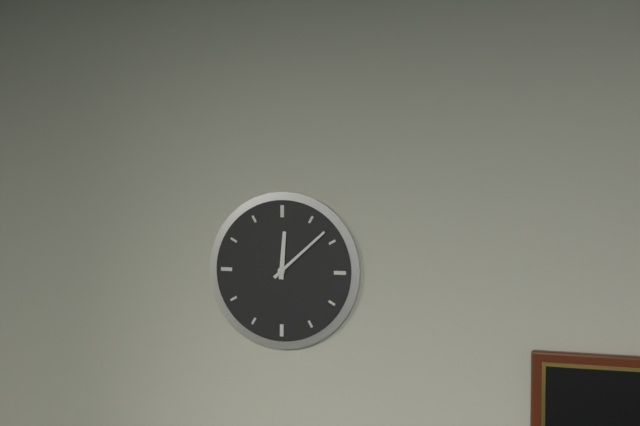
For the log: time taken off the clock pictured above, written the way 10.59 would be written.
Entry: 12.08
